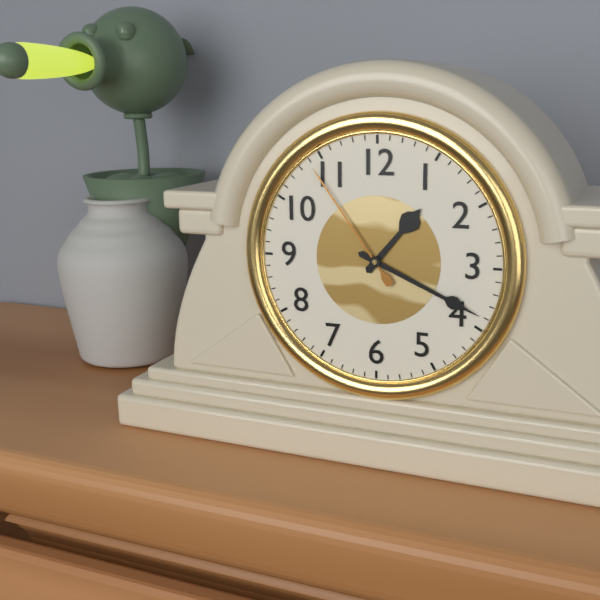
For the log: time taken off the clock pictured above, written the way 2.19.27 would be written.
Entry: 1.19.54
